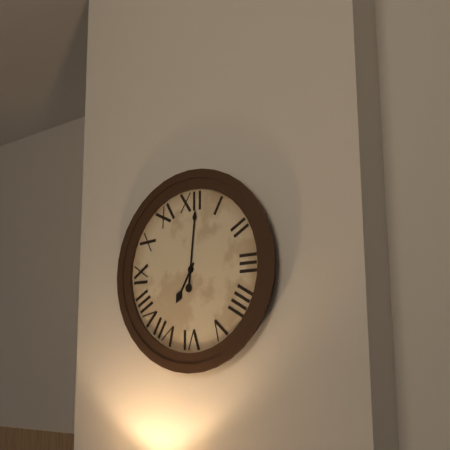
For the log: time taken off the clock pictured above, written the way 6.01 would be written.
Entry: 7.01
